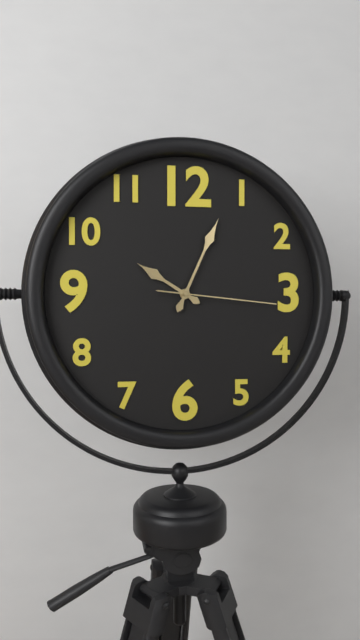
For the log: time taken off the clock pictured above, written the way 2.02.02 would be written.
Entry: 10.04.16
